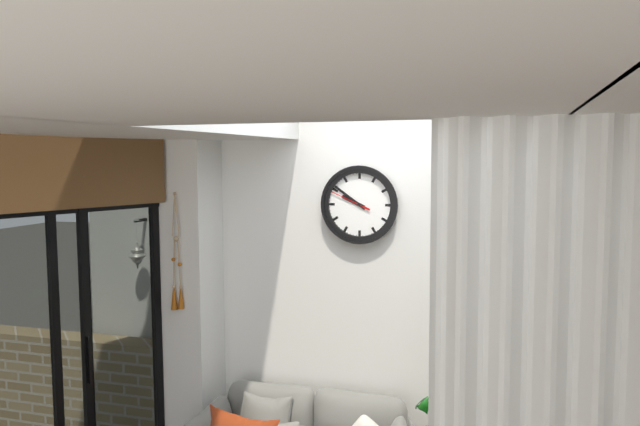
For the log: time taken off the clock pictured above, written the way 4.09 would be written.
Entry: 9.51
